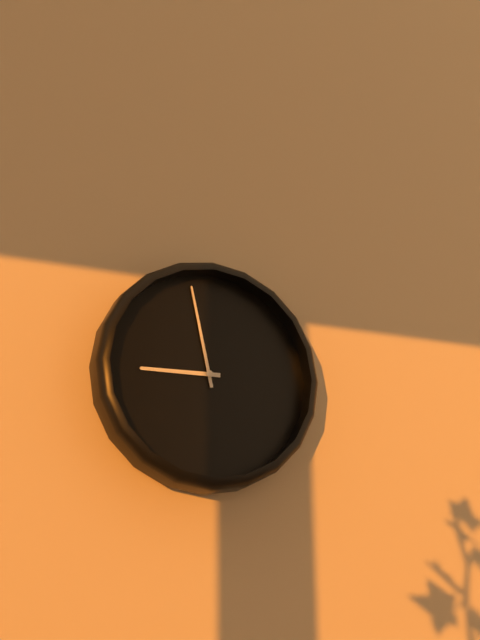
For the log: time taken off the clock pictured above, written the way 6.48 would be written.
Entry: 8.58
